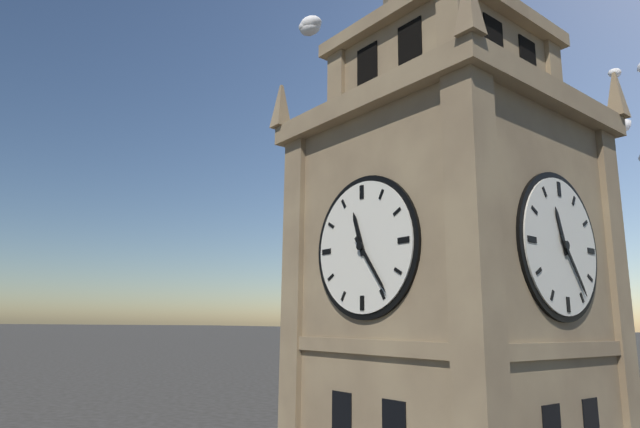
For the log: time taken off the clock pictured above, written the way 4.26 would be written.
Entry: 11.24
